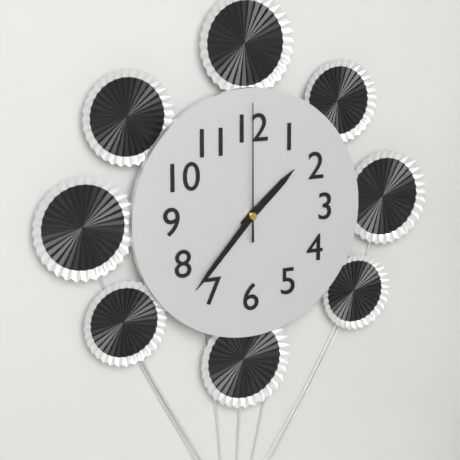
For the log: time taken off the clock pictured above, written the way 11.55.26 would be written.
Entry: 1.37.00
